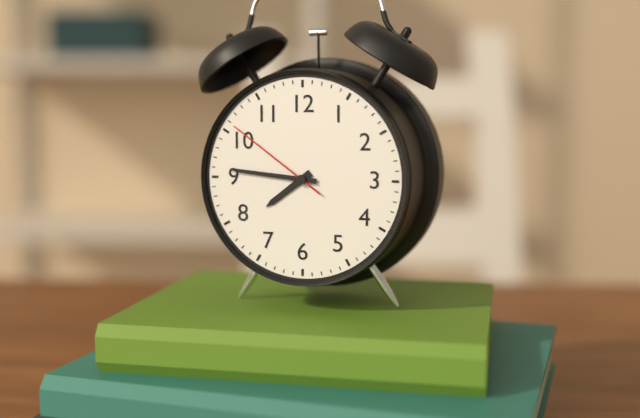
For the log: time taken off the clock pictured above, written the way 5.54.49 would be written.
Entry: 7.46.51
